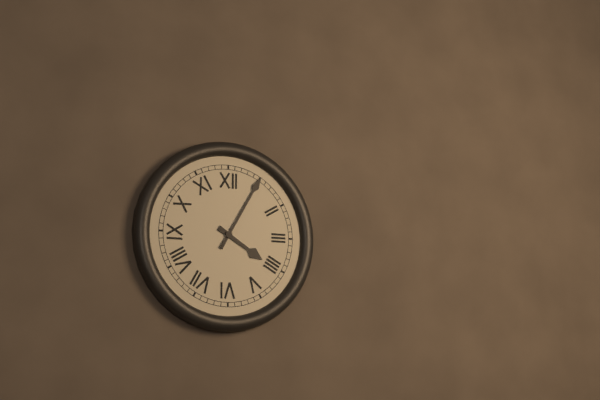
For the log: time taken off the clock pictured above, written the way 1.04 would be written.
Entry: 4.05
